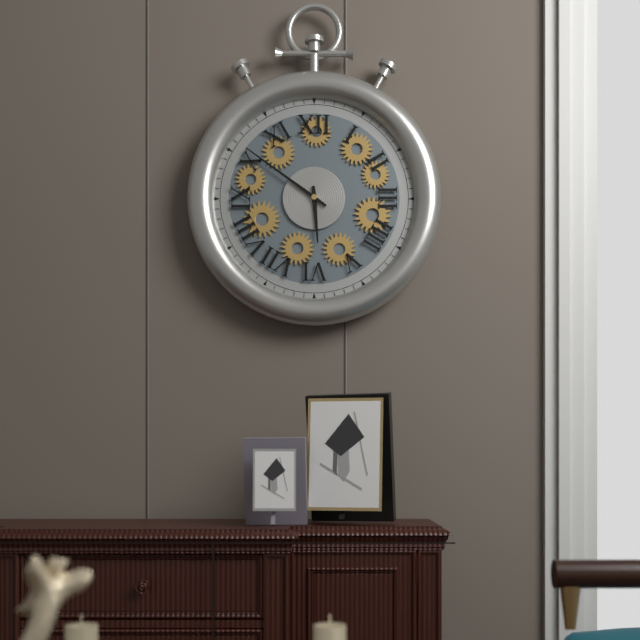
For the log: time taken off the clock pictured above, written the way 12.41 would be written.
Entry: 5.51
